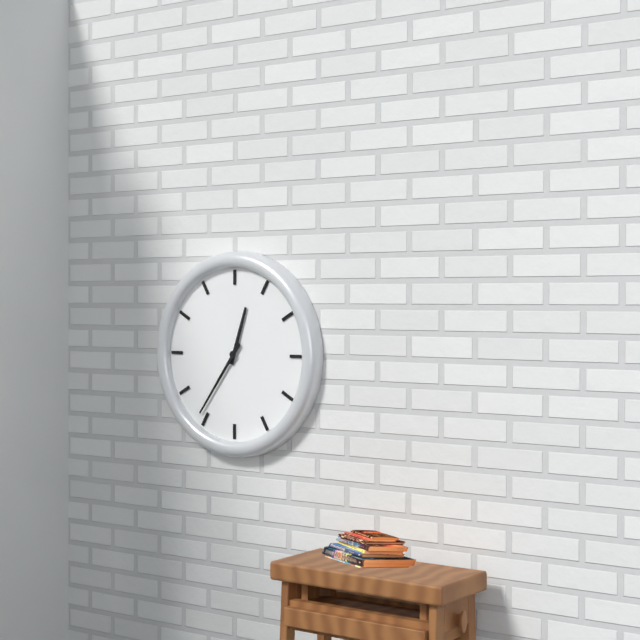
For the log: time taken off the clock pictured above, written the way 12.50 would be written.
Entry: 12.36
